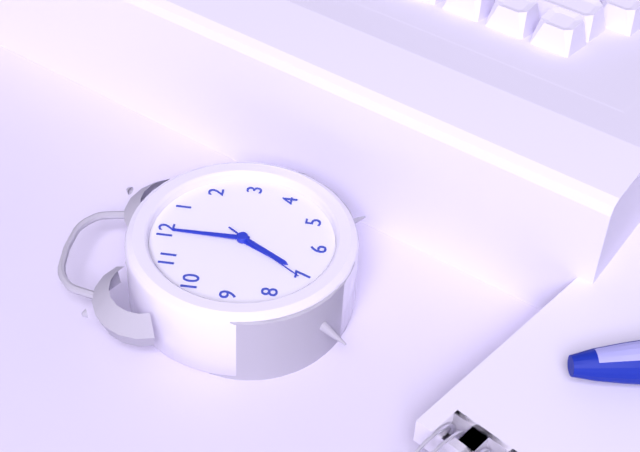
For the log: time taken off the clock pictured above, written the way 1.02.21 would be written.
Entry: 7.00.36
